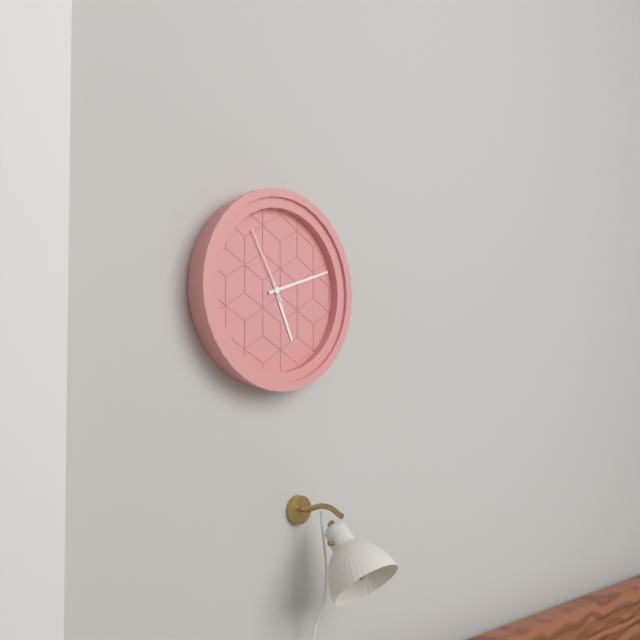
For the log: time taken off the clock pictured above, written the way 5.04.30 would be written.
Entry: 5.12.55
